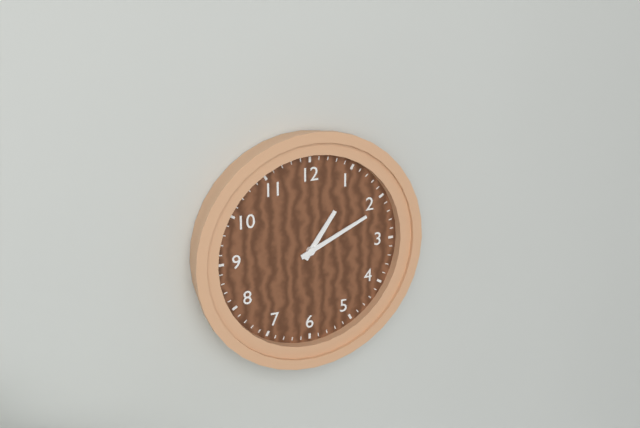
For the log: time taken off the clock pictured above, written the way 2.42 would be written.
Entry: 1.11
